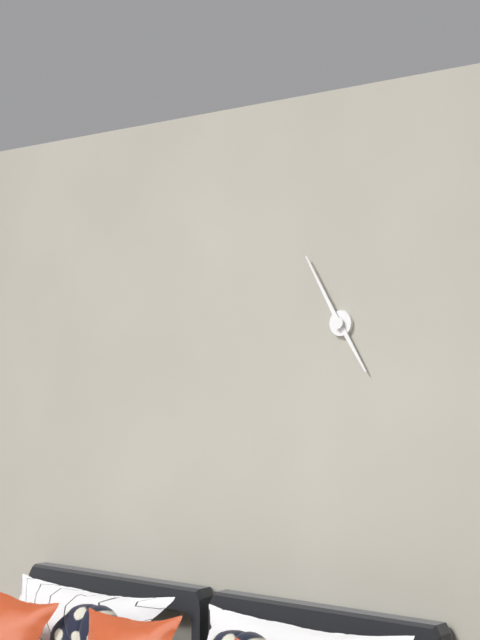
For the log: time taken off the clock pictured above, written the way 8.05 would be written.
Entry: 4.55
